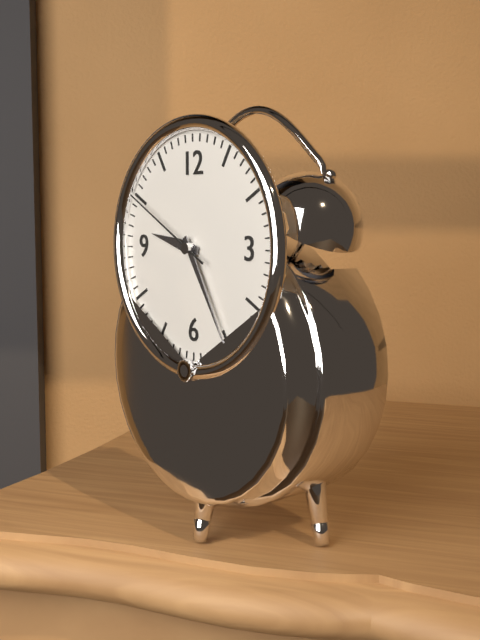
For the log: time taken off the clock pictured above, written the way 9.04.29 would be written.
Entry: 9.25.50
